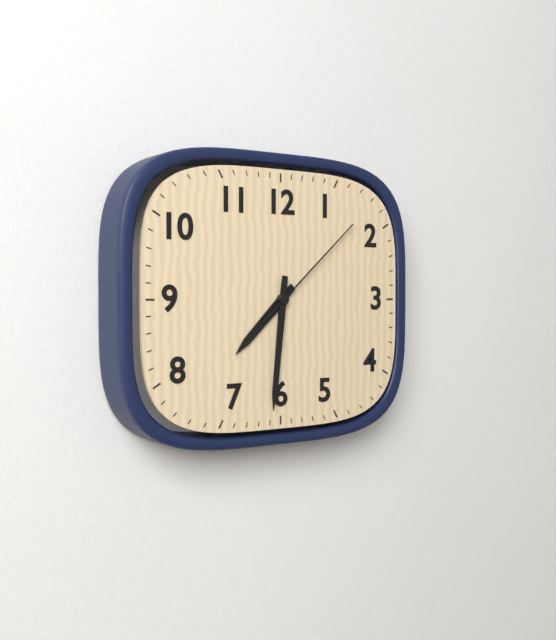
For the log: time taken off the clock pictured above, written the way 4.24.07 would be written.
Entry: 7.31.08
